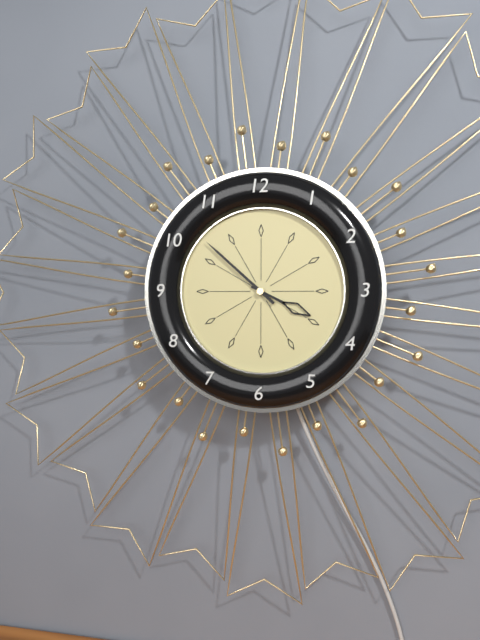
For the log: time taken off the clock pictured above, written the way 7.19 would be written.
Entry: 3.52
